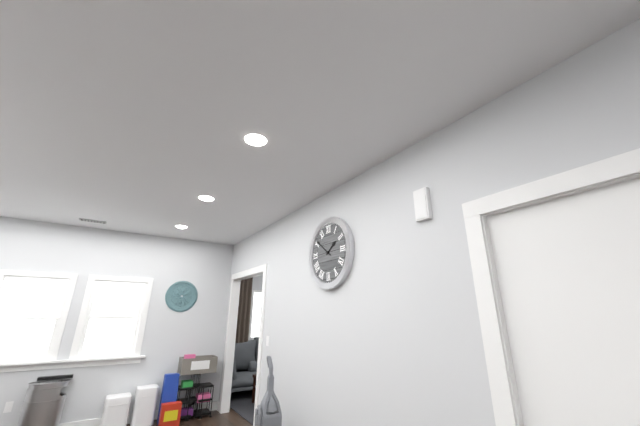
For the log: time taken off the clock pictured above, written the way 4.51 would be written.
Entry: 1.51
